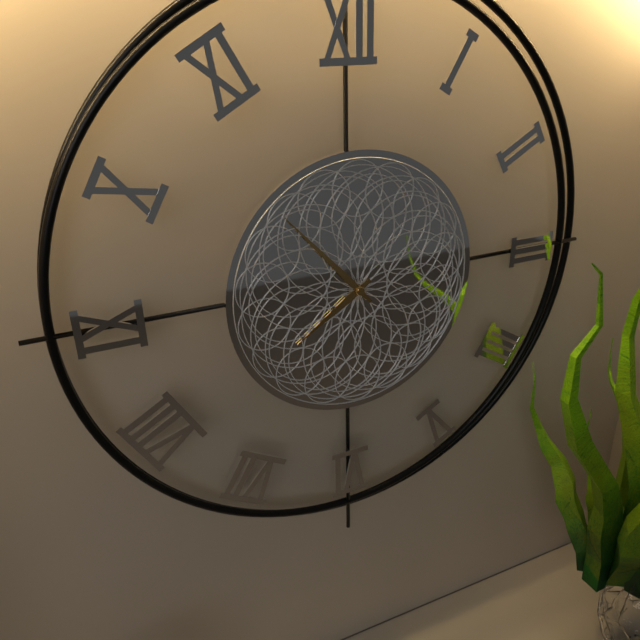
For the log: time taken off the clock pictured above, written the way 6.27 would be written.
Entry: 7.53
